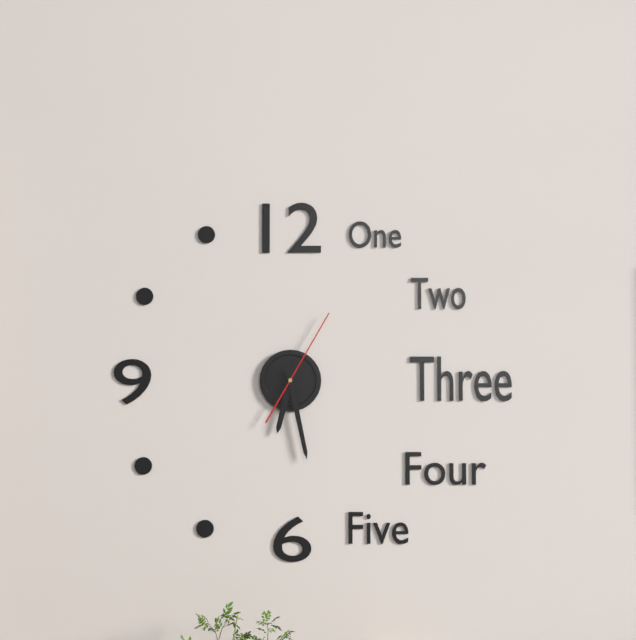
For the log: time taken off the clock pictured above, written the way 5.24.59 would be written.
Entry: 6.28.05
